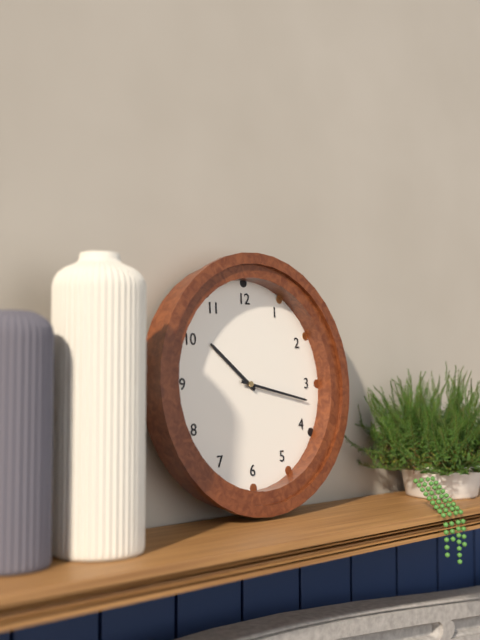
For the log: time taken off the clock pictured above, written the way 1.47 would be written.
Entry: 10.17
